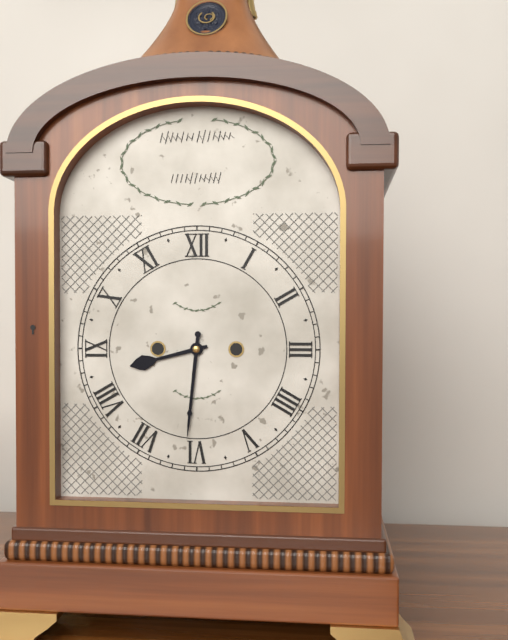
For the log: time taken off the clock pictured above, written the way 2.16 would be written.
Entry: 8.31
